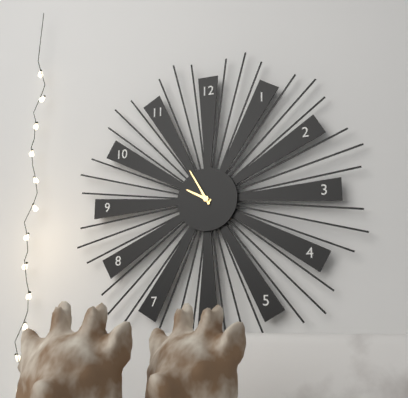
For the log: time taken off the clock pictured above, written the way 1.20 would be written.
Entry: 9.55
